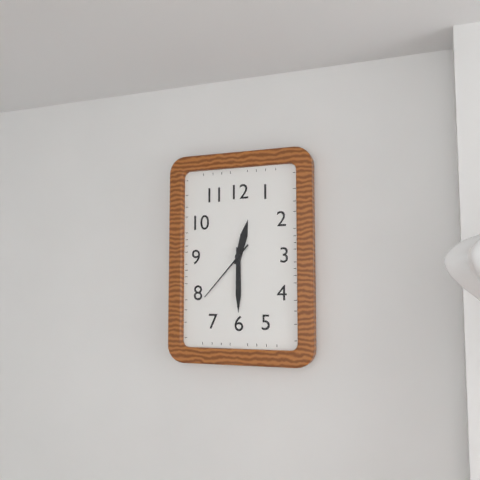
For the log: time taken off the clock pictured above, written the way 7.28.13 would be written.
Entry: 12.30.37
